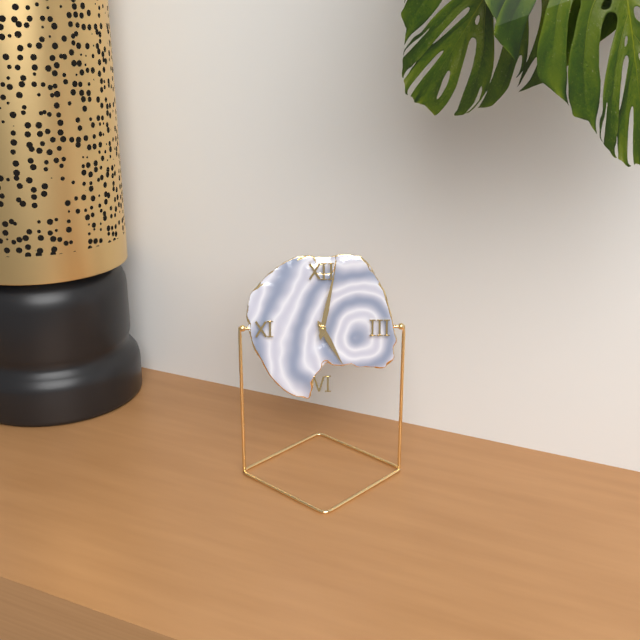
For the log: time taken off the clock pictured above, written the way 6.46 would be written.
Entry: 5.02
